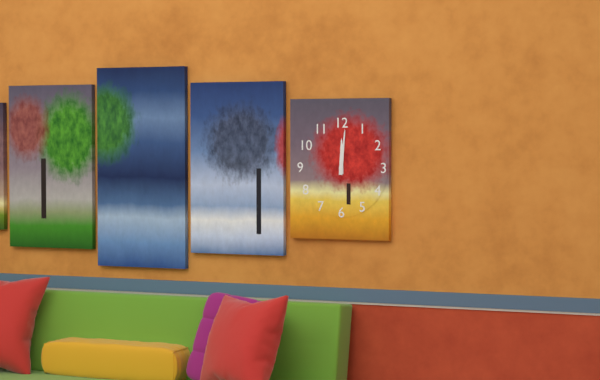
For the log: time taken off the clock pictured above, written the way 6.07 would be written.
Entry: 12.01
